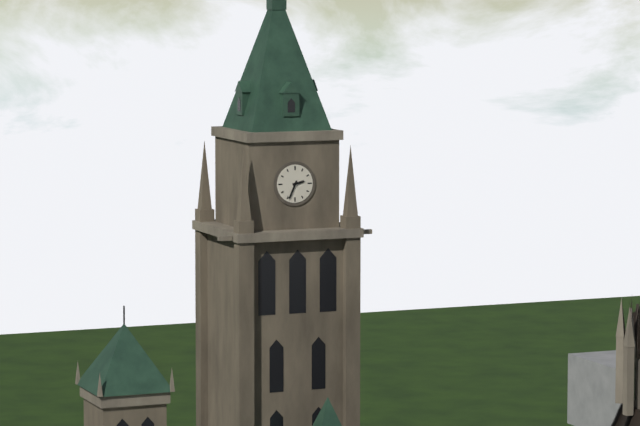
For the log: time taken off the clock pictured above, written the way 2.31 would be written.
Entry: 2.34
